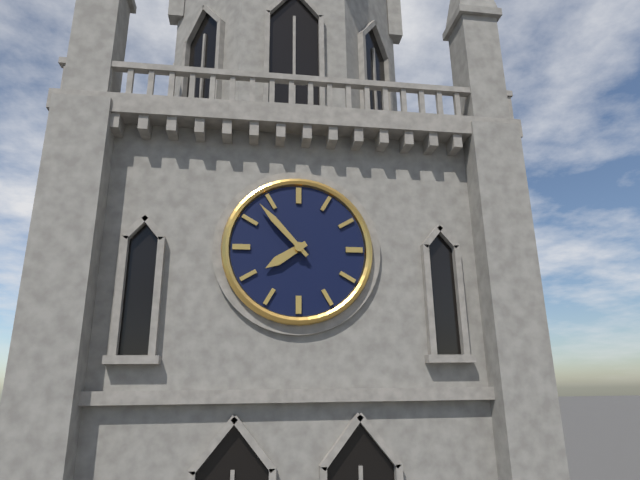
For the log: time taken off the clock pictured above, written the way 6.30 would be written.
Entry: 7.53
